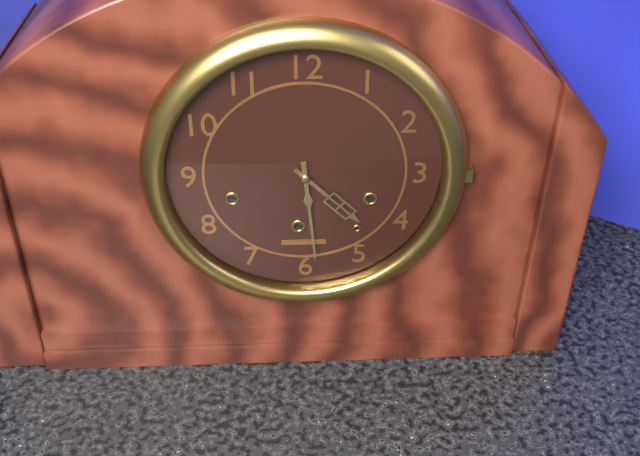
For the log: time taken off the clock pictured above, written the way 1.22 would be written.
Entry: 4.29
